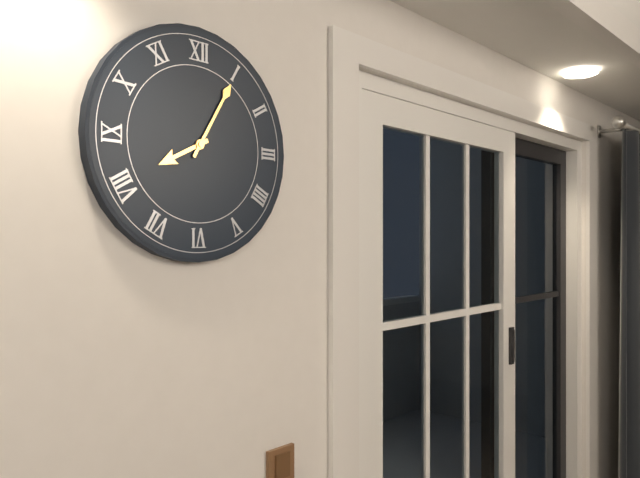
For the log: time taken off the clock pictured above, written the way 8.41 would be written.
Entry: 8.05
